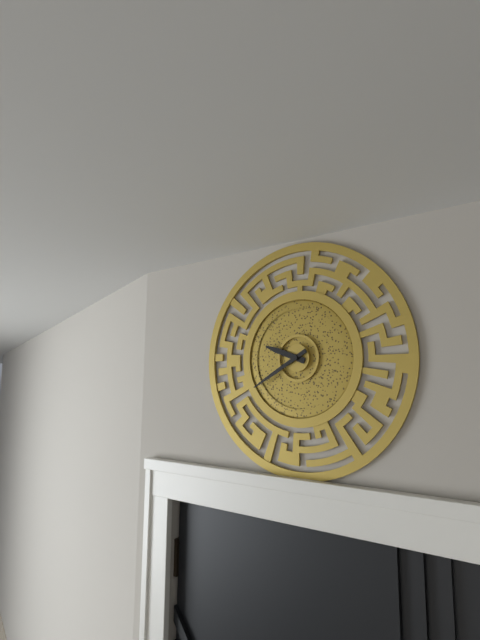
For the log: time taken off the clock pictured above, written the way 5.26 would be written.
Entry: 9.40
